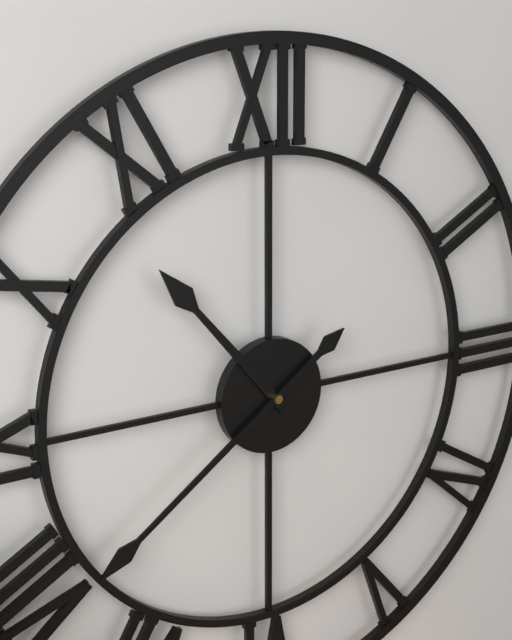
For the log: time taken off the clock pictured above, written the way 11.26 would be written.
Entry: 10.39
